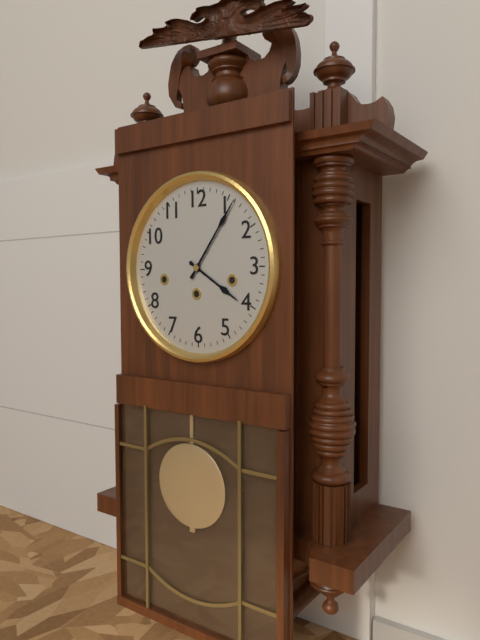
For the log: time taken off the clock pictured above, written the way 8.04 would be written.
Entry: 4.06
